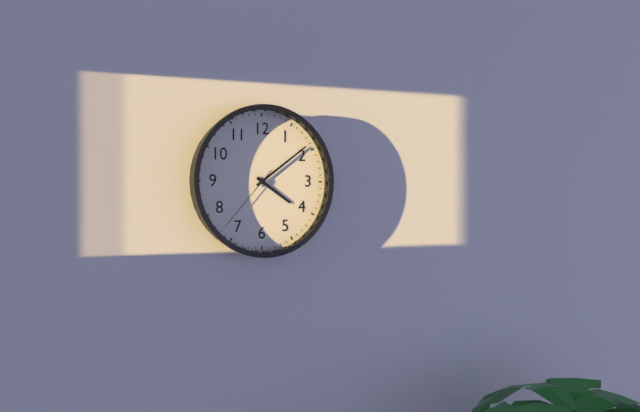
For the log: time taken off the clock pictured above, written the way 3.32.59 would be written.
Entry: 4.09.37
